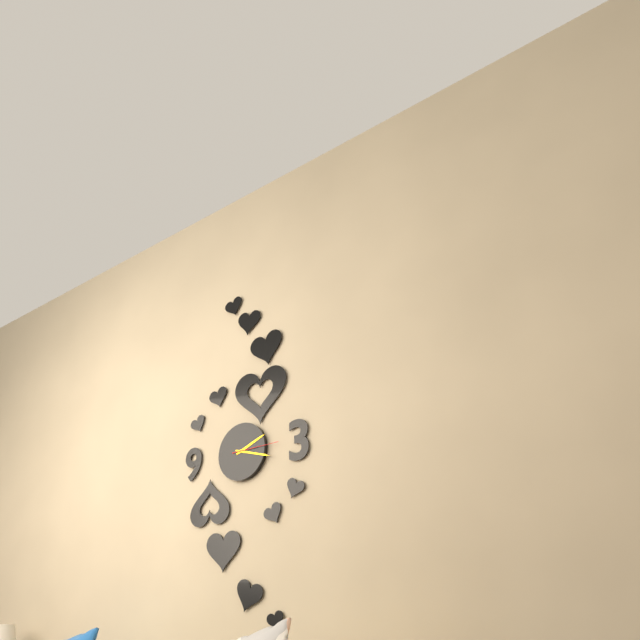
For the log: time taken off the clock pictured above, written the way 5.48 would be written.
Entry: 2.18
